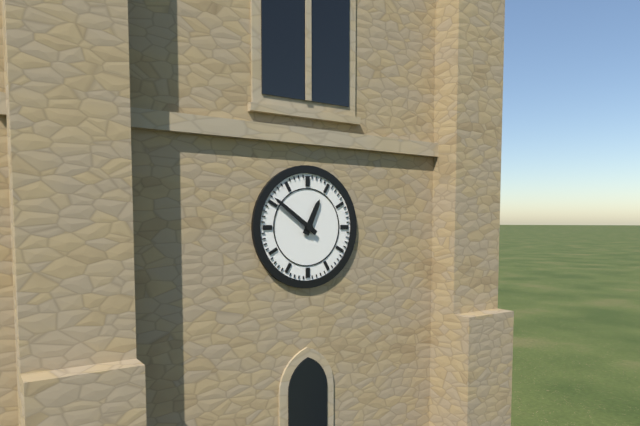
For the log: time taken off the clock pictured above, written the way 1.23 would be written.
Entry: 12.51
